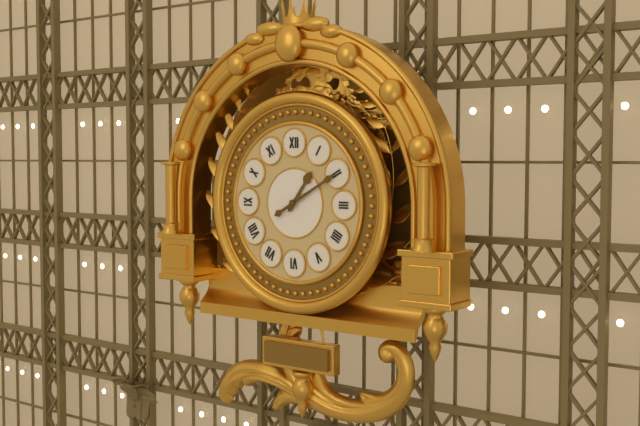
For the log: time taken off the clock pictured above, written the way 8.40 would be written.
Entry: 1.10
